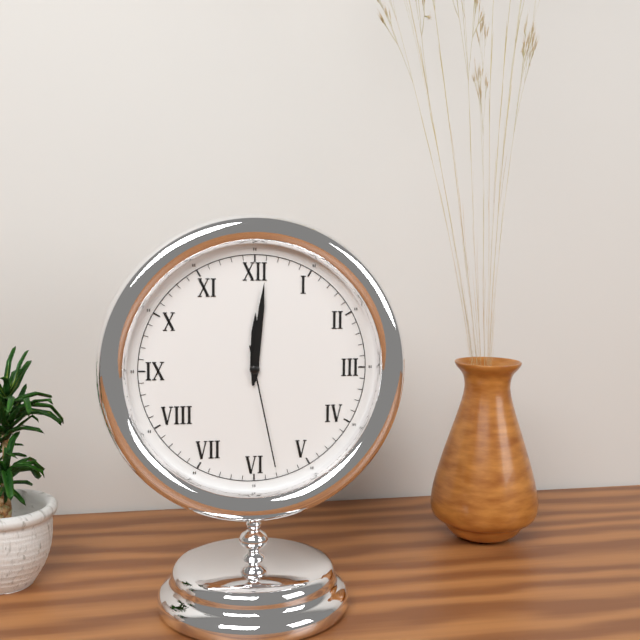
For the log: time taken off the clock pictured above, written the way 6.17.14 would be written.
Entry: 12.01.28
